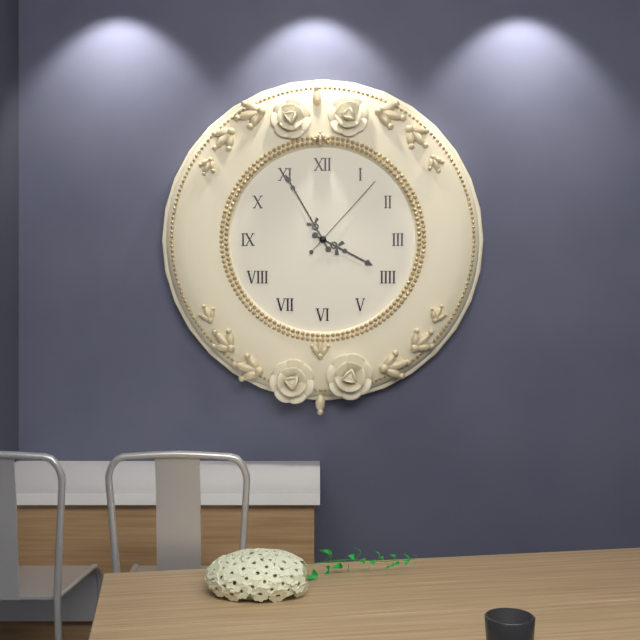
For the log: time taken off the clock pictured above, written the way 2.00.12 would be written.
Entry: 3.55.07
